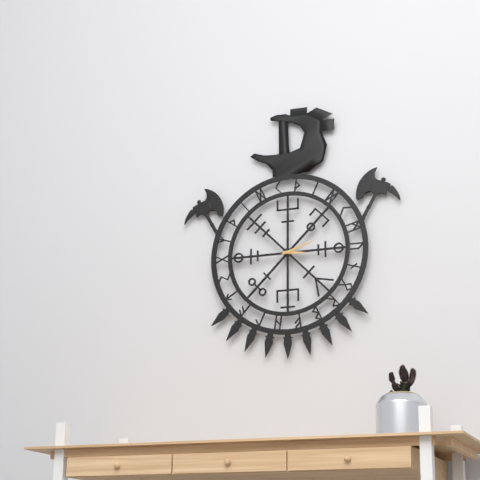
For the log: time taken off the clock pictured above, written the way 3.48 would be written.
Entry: 3.12
